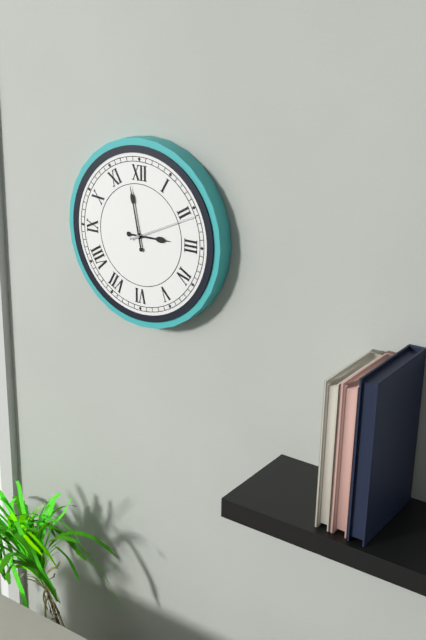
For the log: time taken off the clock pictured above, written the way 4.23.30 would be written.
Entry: 2.58.11
